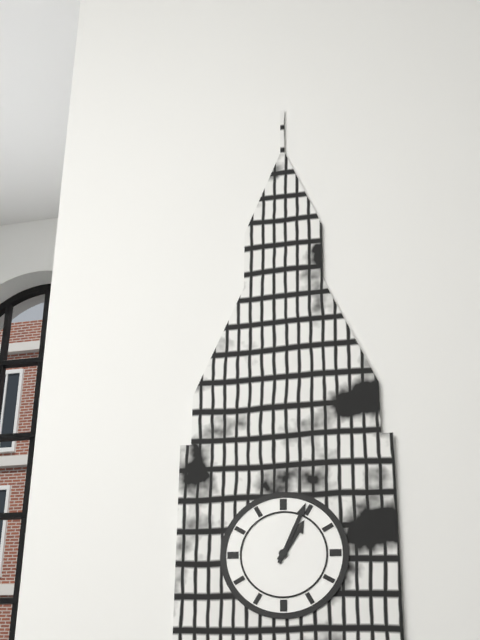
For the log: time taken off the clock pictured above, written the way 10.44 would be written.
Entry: 1.04
